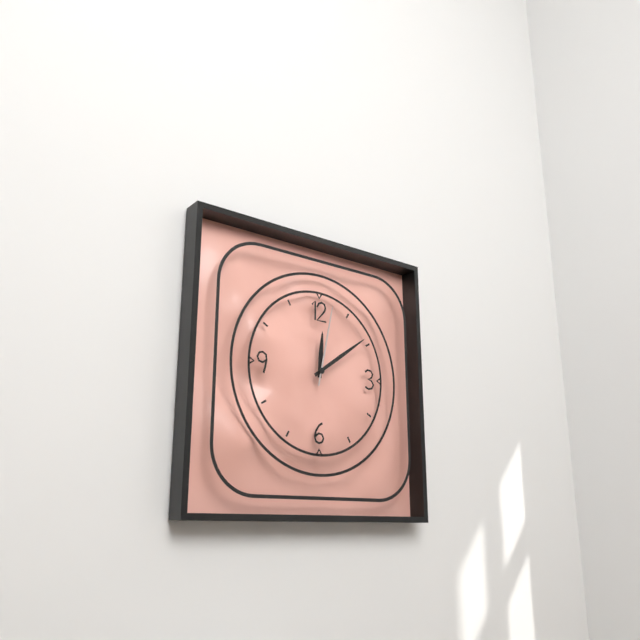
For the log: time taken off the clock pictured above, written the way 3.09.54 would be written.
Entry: 12.09.02
